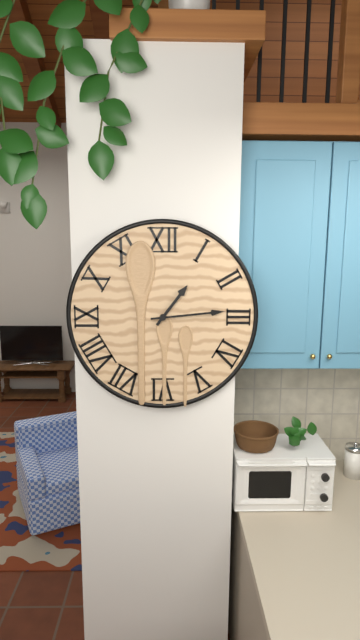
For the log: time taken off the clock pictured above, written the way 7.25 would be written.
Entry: 1.14
